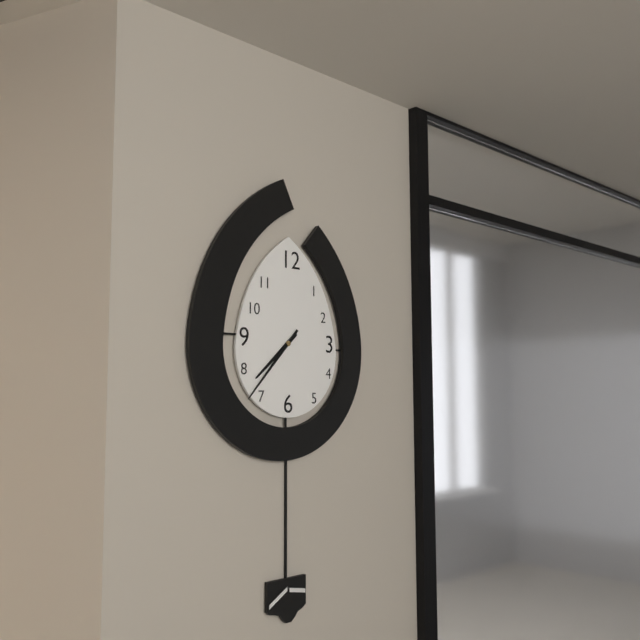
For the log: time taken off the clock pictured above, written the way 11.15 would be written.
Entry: 7.37
